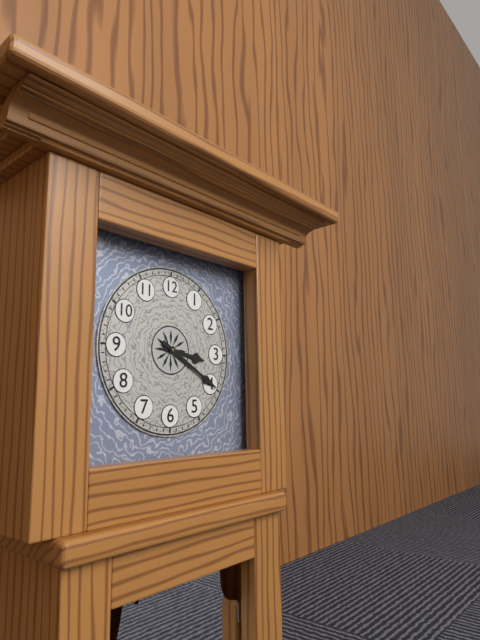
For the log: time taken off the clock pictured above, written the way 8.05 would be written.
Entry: 3.20
